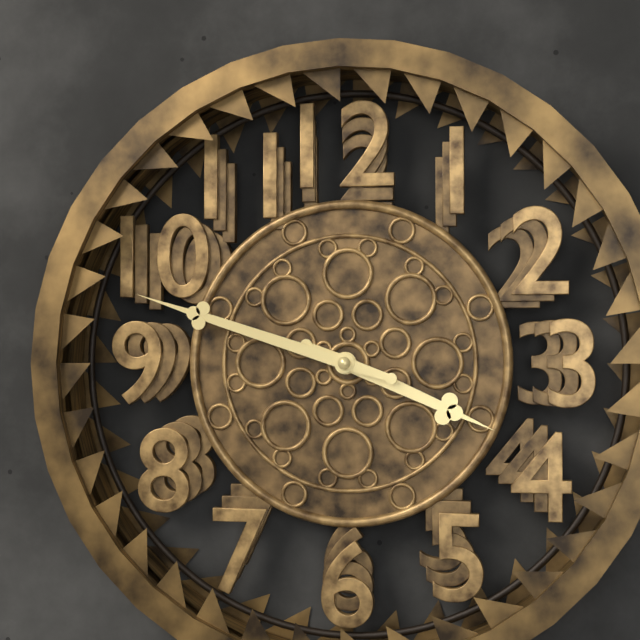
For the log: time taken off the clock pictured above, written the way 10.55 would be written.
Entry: 3.48
